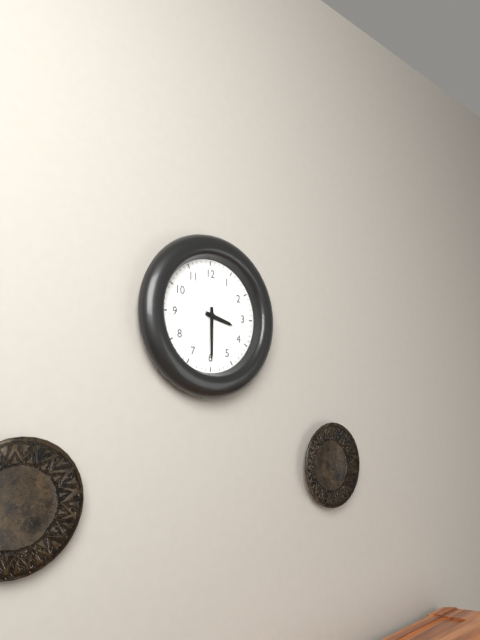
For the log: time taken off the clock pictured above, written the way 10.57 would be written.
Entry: 3.30
